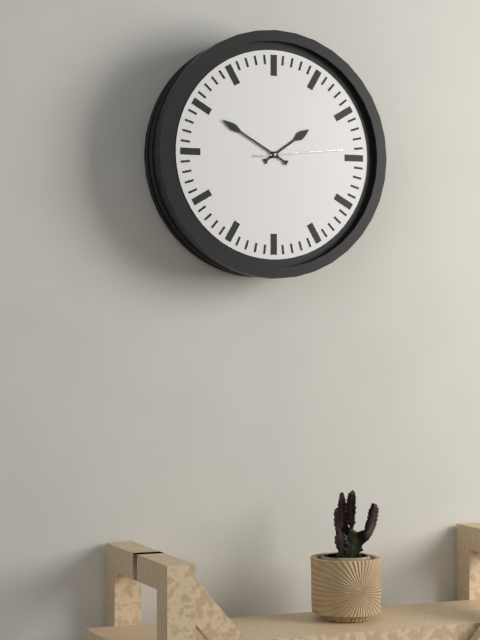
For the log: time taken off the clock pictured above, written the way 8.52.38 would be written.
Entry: 1.50.14
